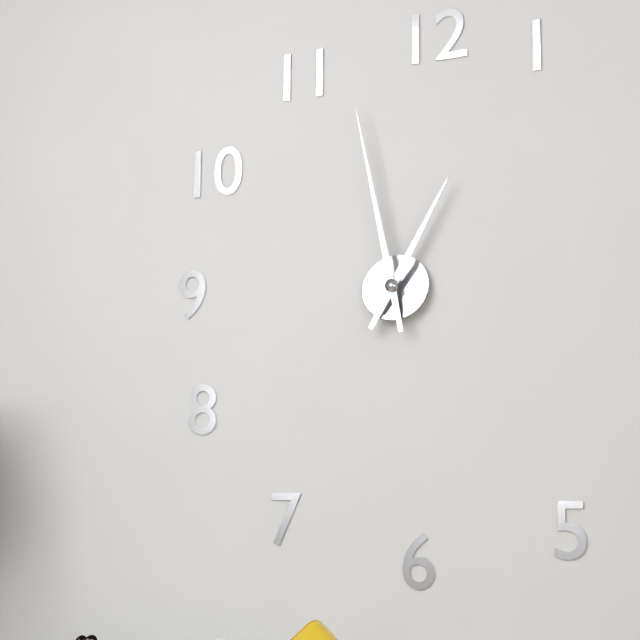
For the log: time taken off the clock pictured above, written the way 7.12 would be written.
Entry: 12.58
